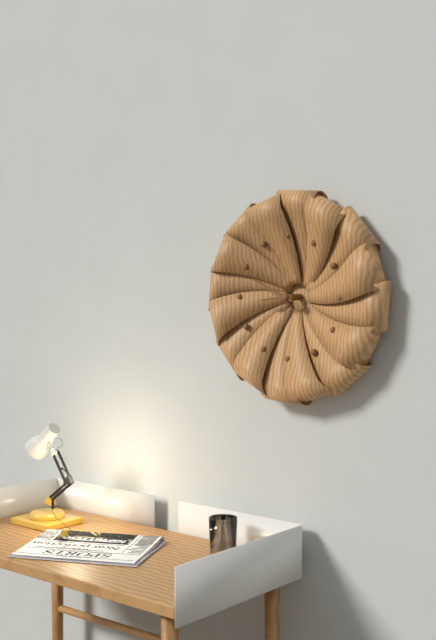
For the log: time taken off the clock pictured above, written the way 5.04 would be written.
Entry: 8.49
